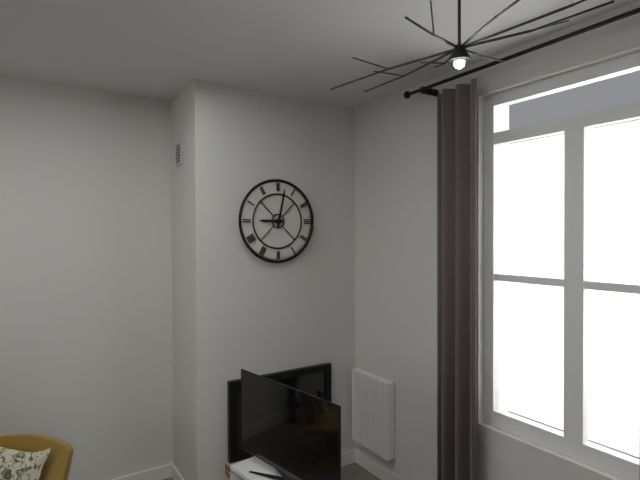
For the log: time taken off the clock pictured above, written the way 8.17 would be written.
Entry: 9.02
